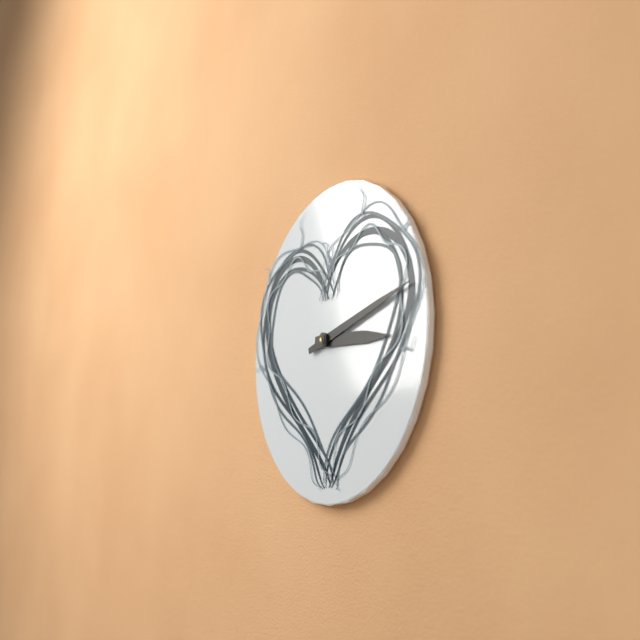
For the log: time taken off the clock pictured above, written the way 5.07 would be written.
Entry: 3.13
